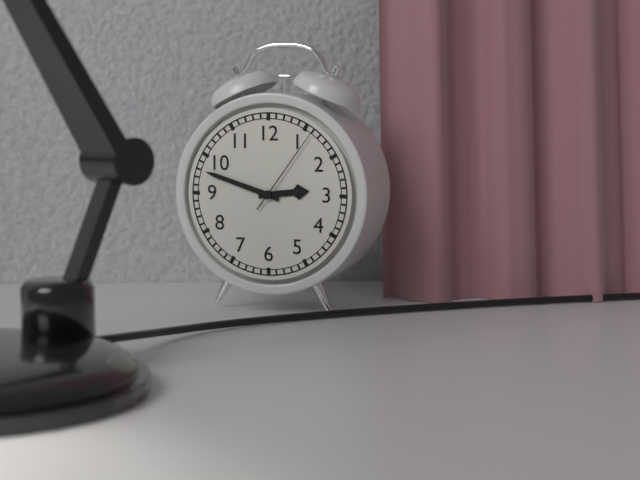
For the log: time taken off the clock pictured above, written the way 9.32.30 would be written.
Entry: 2.48.06
